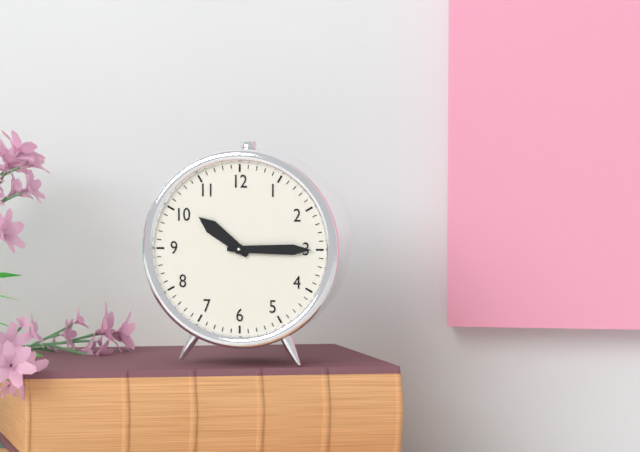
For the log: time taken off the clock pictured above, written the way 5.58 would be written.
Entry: 10.15
